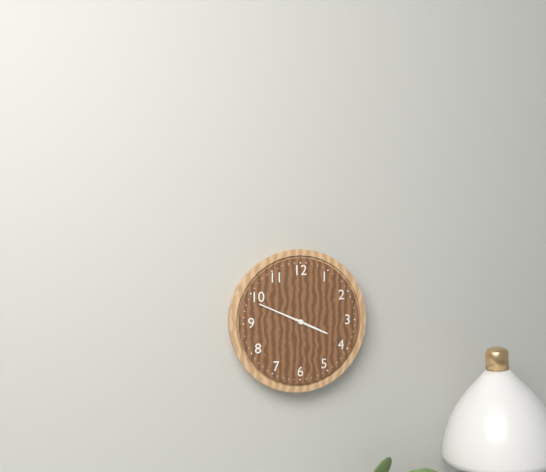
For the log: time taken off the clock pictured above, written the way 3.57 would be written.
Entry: 3.49
